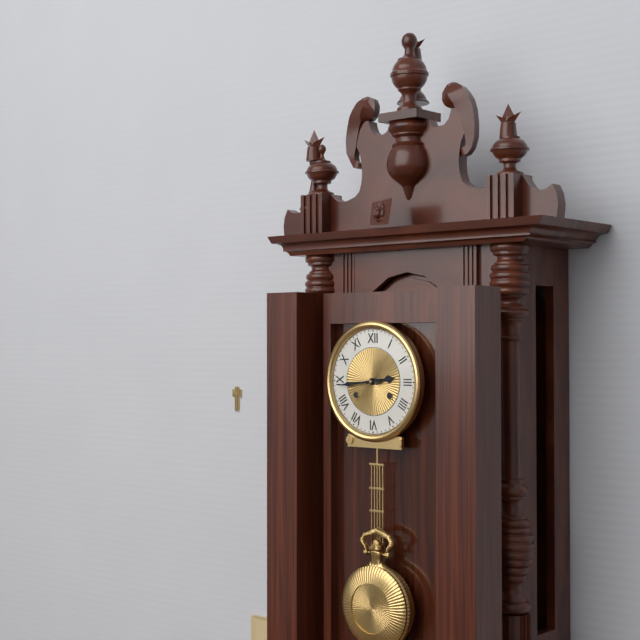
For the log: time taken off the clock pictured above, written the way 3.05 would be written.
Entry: 2.44
